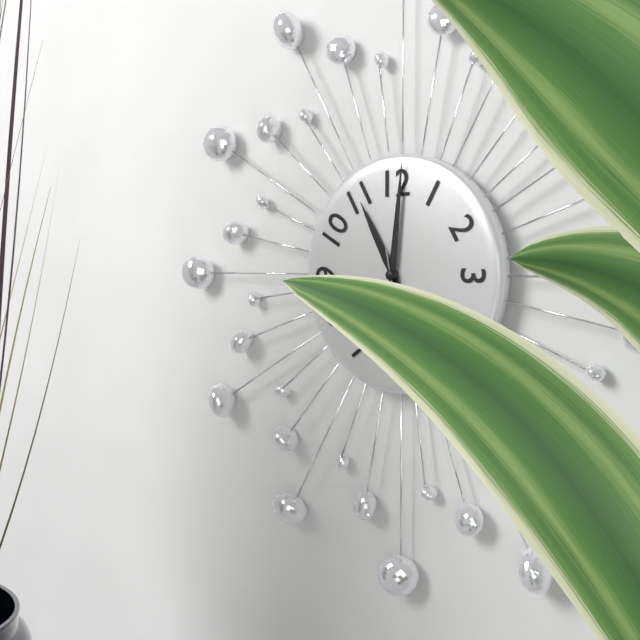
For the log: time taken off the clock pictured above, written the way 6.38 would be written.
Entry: 11.01
